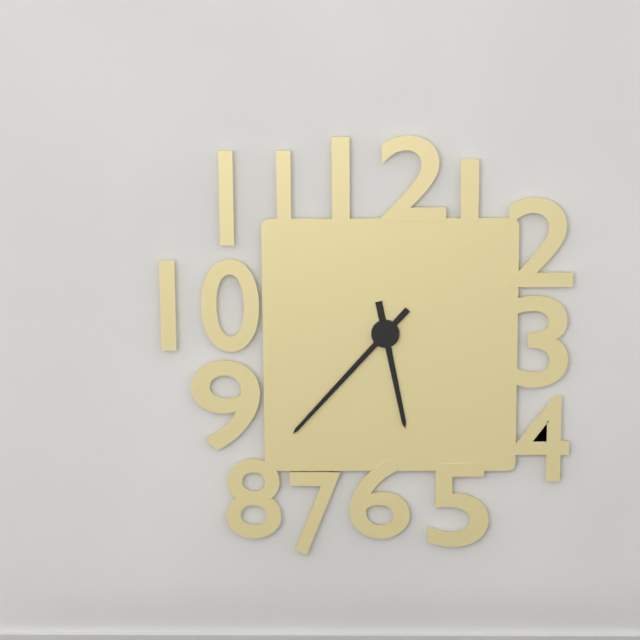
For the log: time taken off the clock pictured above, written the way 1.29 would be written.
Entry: 5.37
